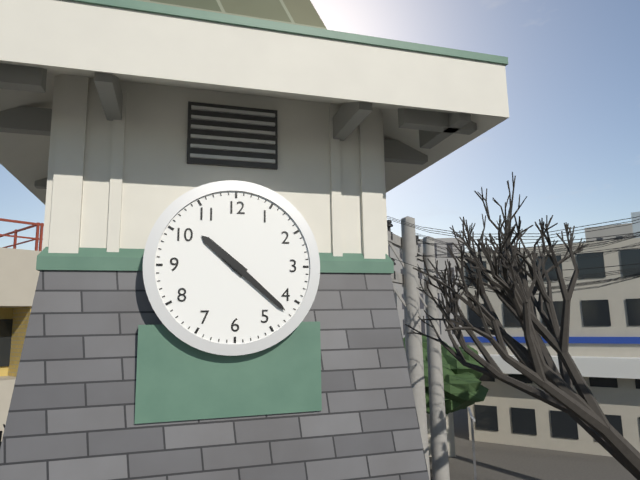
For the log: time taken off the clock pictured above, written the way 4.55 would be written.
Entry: 10.22
